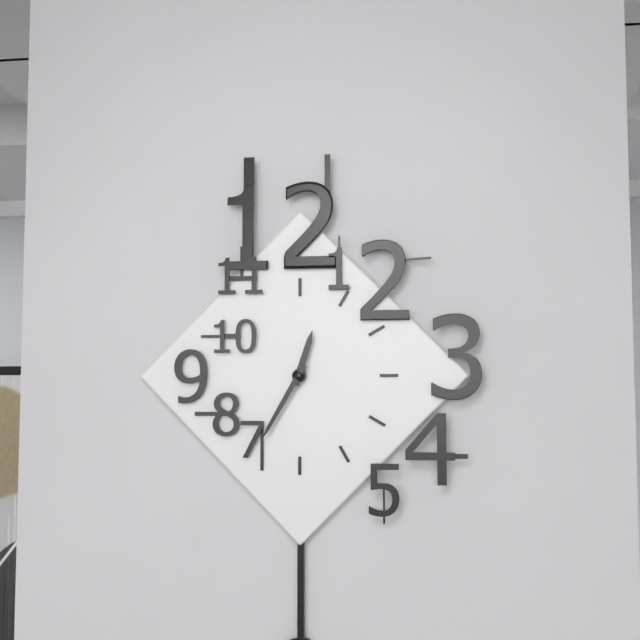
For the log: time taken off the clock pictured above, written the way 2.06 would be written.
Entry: 12.35
